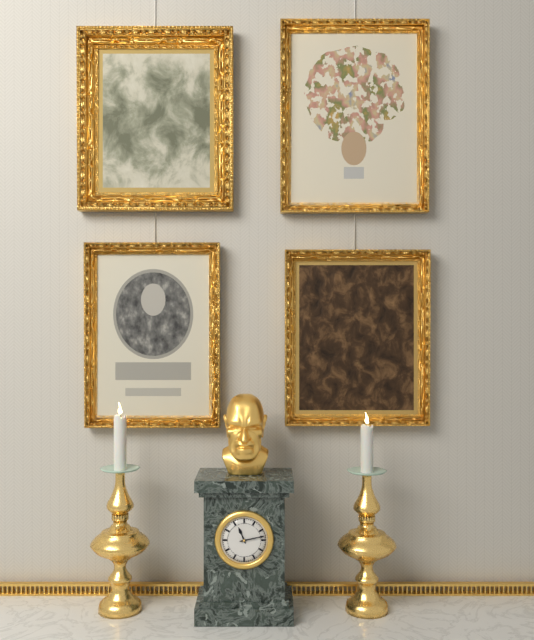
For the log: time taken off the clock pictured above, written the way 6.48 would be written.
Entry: 11.13
